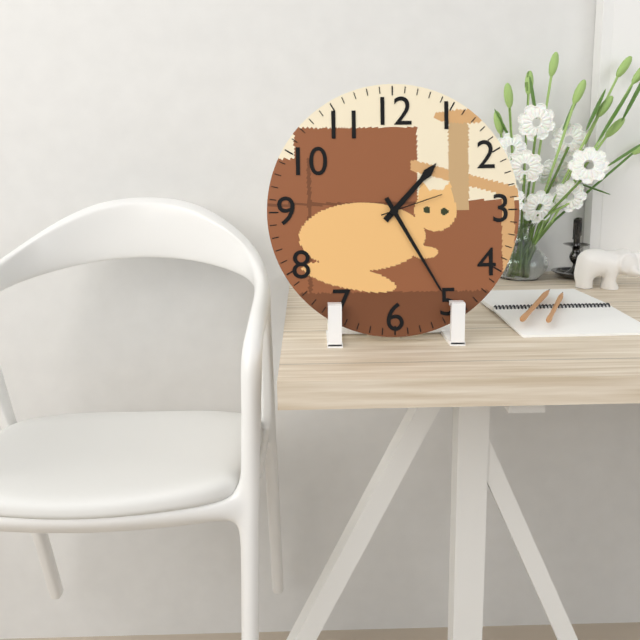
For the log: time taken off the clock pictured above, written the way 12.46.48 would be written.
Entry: 1.25.12
